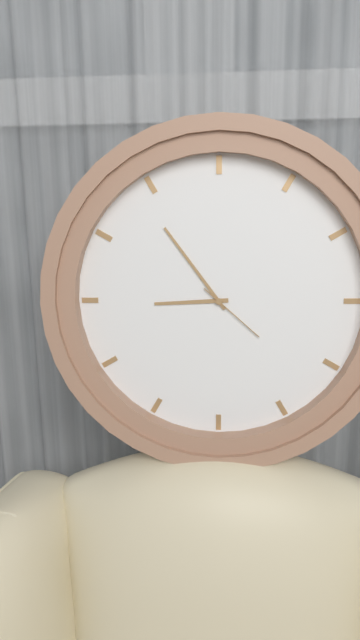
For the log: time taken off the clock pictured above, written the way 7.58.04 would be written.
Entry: 8.54.22
